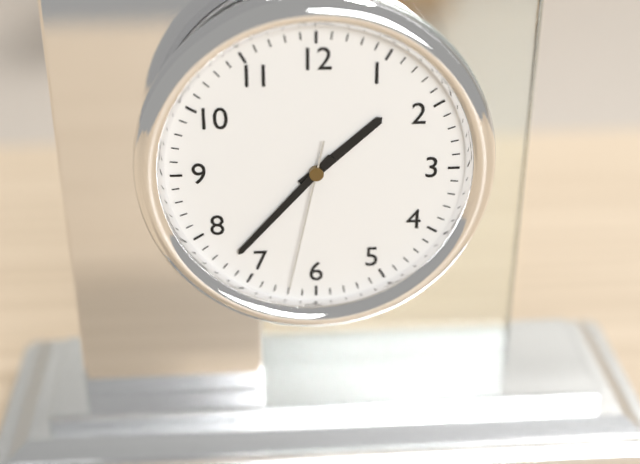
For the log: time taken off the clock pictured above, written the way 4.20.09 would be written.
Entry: 1.37.32
